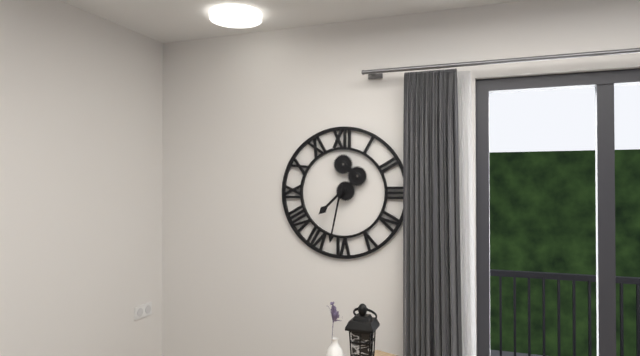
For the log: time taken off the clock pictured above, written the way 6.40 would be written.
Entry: 7.32
